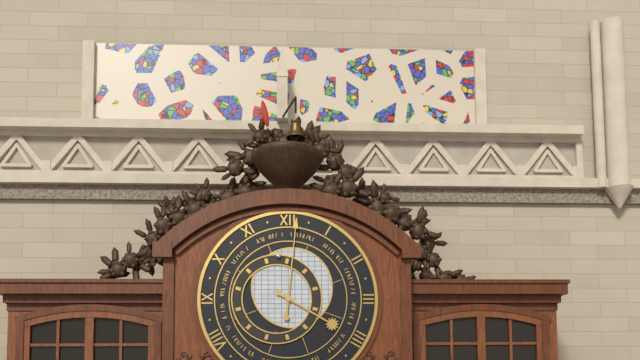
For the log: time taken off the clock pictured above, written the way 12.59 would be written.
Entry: 4.01
